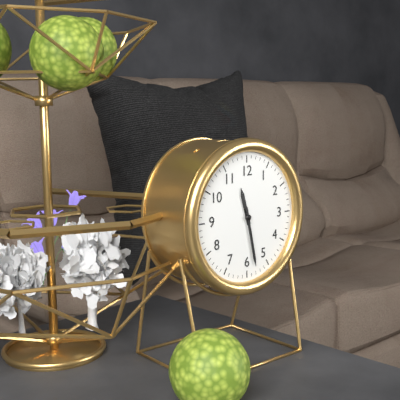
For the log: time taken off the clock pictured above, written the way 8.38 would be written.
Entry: 11.28
